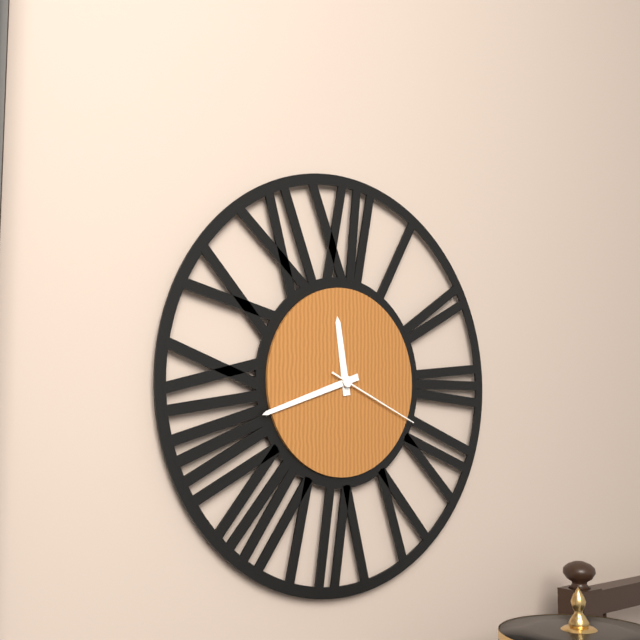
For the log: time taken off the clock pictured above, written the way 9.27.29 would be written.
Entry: 11.42.19
